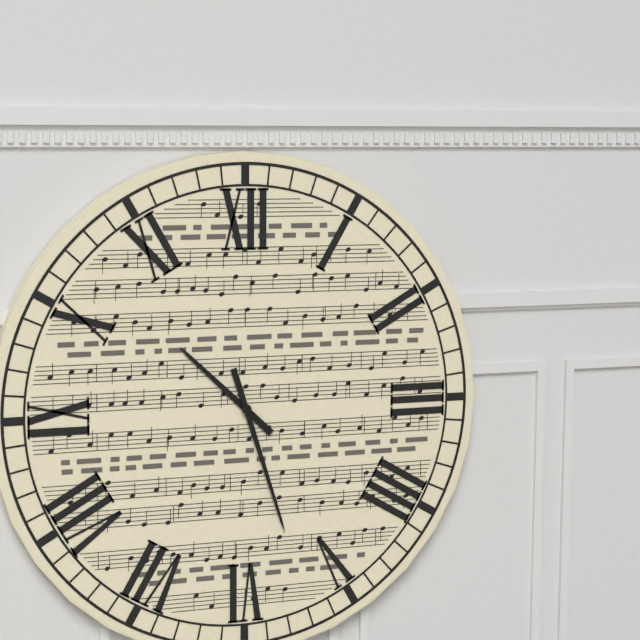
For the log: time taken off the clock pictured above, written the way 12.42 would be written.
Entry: 10.27
